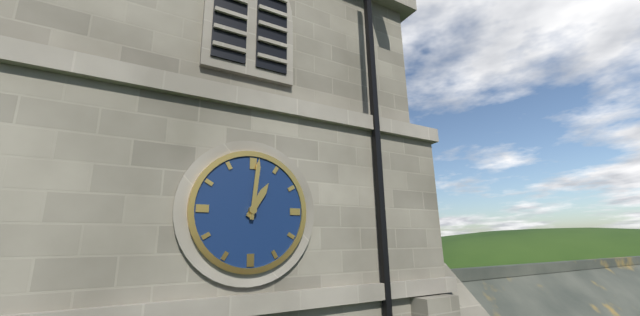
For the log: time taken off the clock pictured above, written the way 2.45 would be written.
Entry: 1.01
